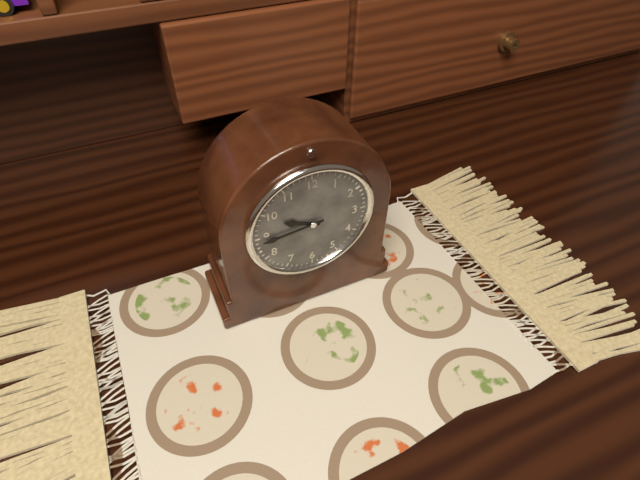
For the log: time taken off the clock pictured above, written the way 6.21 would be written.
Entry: 9.44
